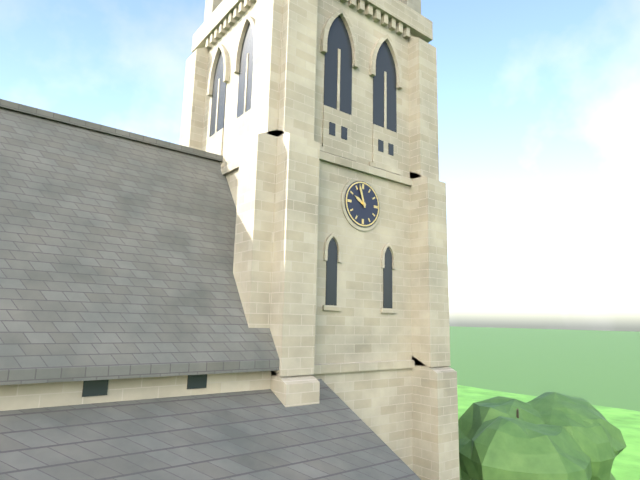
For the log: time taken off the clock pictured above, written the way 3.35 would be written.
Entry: 9.57
